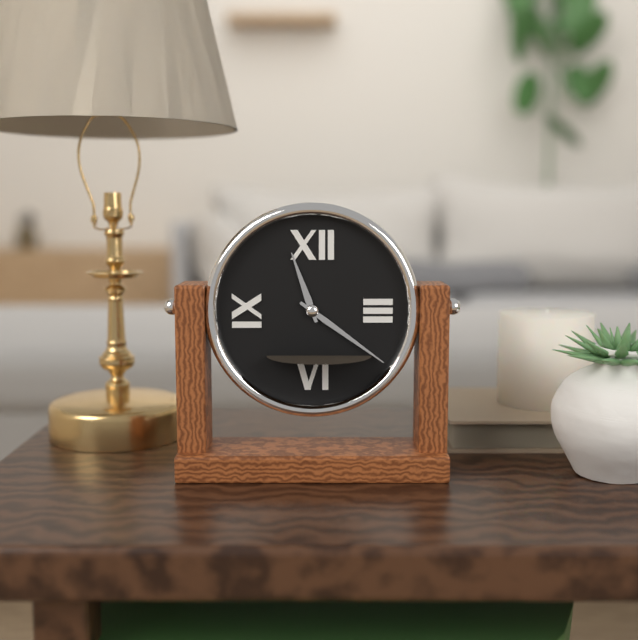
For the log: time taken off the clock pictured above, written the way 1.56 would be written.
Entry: 11.21
